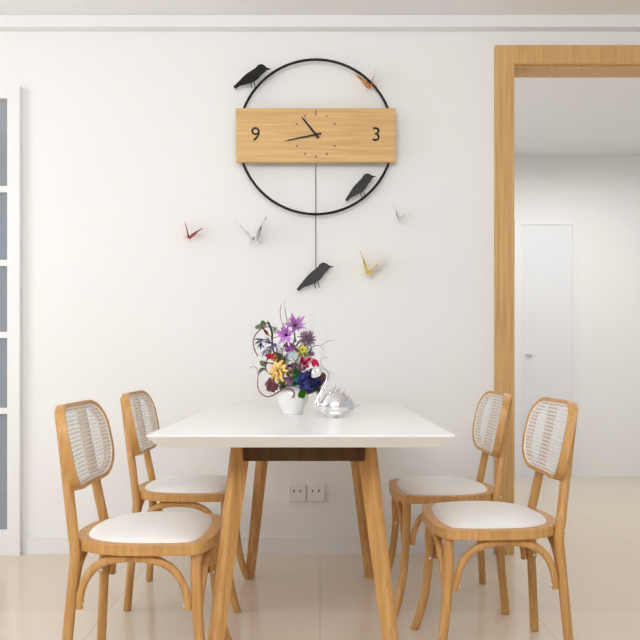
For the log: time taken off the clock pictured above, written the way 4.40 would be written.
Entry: 10.43
